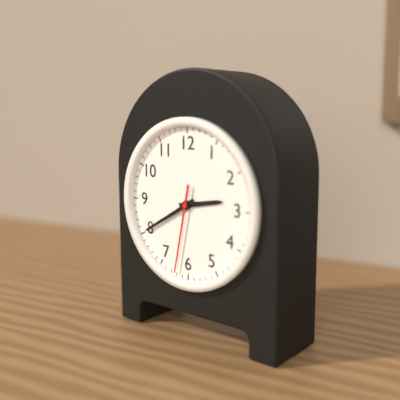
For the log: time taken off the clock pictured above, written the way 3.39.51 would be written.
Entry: 2.40.32
